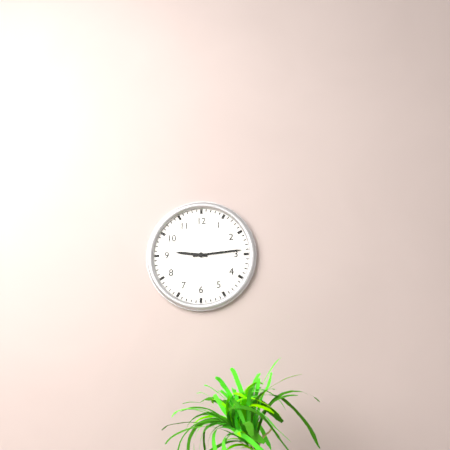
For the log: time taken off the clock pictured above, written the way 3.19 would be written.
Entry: 9.14
